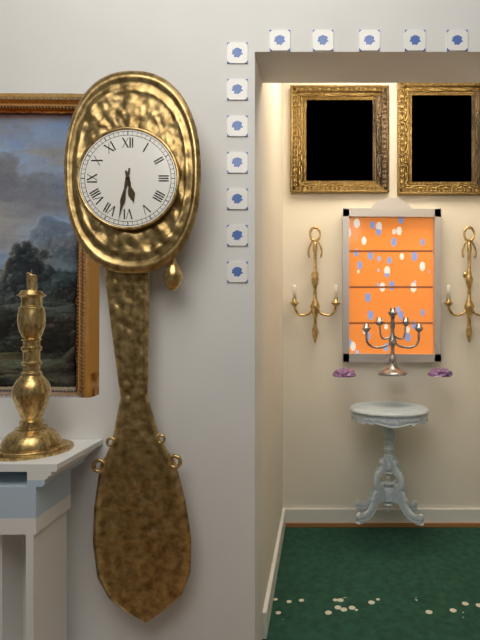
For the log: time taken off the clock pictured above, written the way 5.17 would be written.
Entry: 5.32
